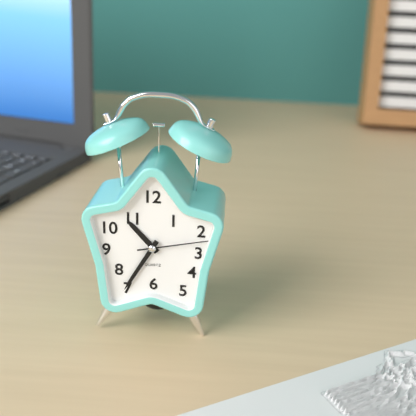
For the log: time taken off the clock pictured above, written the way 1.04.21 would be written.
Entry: 10.35.13
